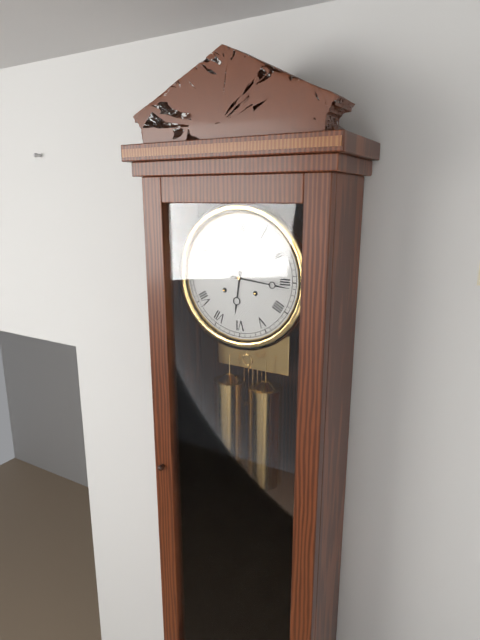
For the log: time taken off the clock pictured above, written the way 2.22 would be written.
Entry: 6.16
